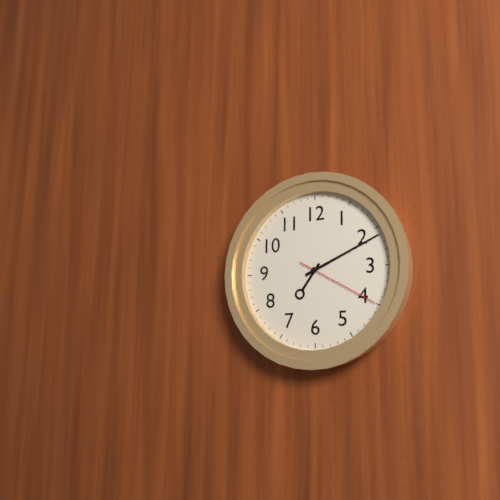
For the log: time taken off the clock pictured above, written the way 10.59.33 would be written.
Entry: 7.11.20
